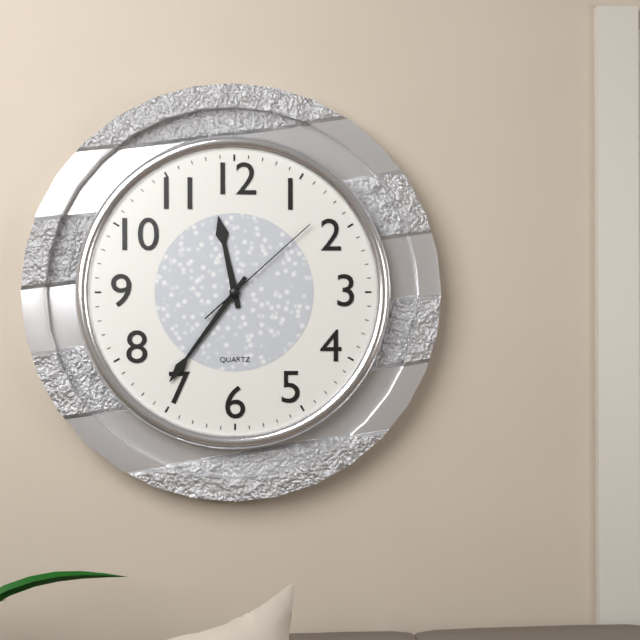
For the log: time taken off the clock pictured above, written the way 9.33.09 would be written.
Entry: 11.36.08
